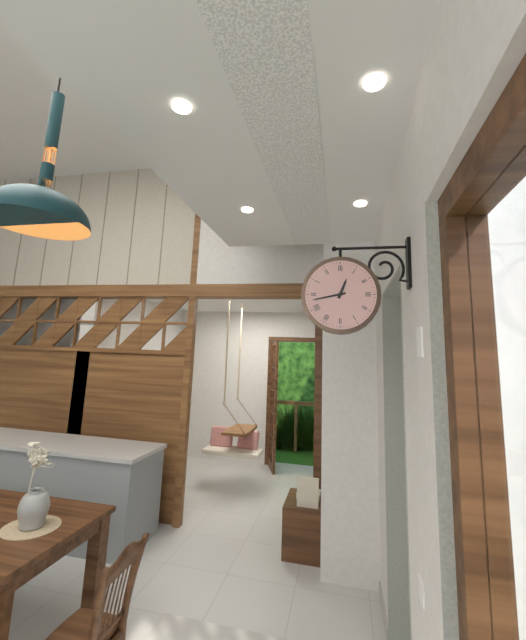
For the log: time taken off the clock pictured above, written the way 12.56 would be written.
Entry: 12.43
